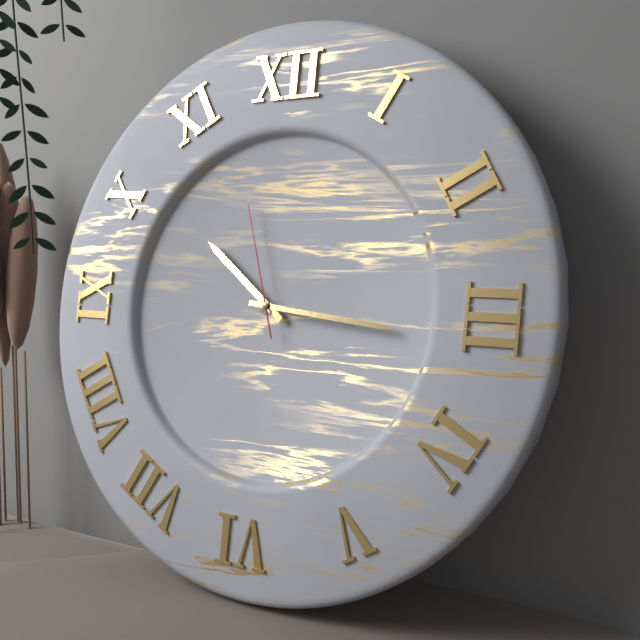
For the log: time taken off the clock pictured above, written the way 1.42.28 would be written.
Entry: 10.16.57
